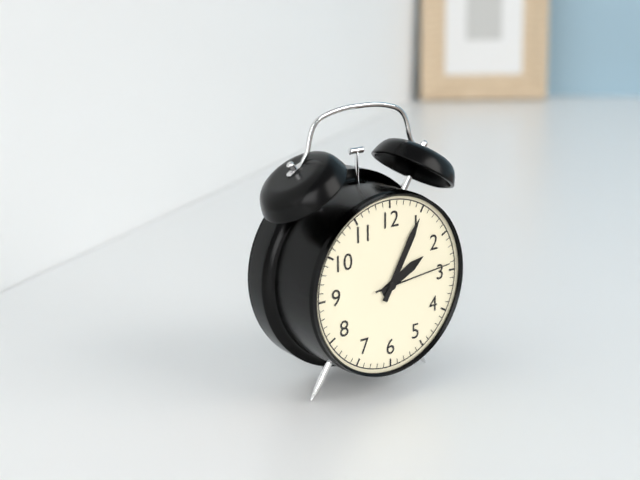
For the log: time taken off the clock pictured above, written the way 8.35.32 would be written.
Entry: 2.05.14
